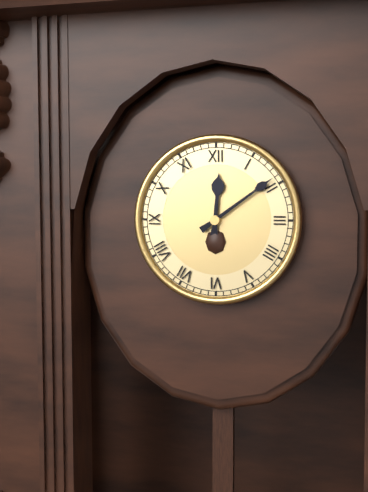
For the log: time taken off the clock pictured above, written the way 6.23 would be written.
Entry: 12.09
